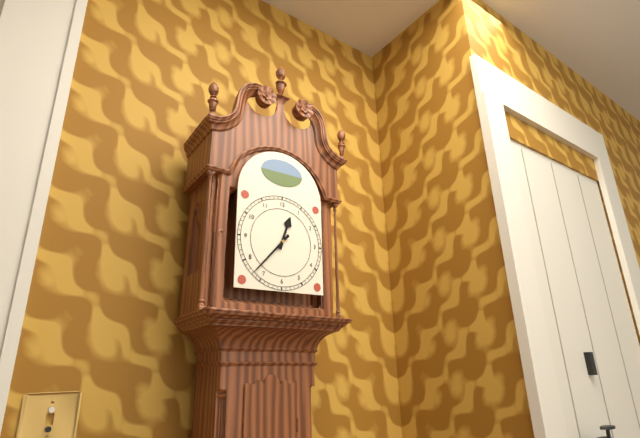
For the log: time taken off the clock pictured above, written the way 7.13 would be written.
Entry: 12.37
